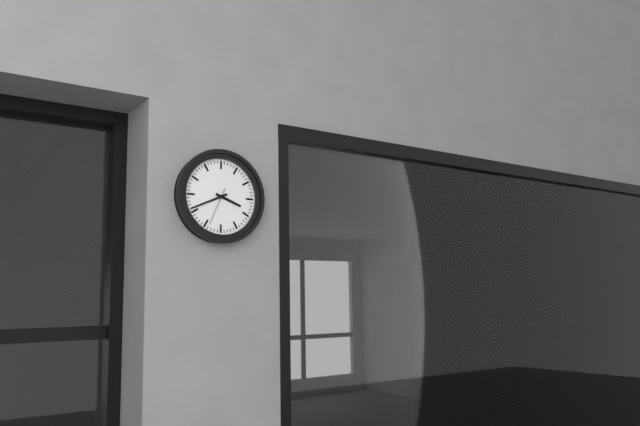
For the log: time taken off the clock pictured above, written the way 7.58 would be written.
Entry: 3.41
